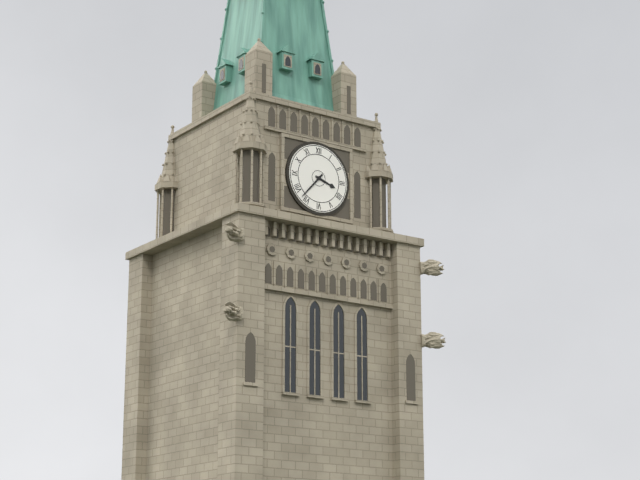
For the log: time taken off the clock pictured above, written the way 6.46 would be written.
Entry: 3.37
